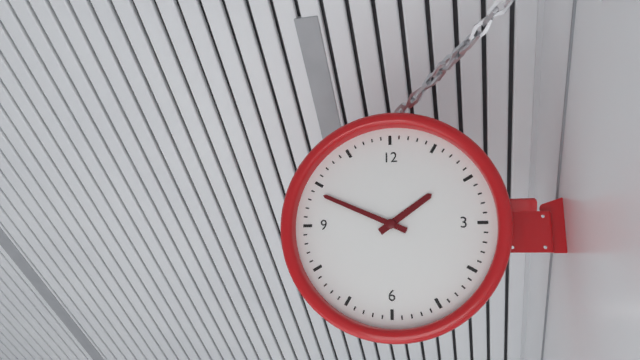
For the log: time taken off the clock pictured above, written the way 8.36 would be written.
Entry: 1.49
